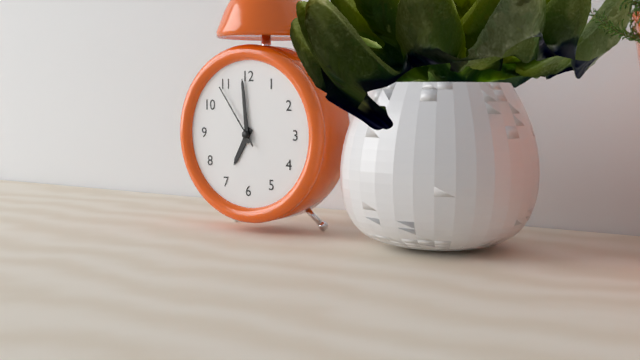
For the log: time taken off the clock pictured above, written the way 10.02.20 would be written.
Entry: 6.59.54
